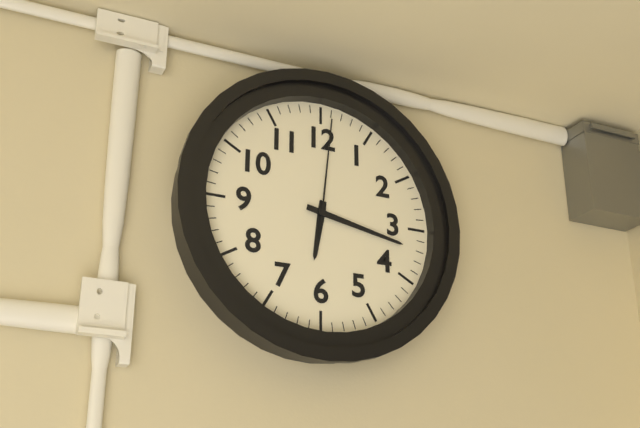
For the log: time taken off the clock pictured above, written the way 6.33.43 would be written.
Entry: 6.17.01
